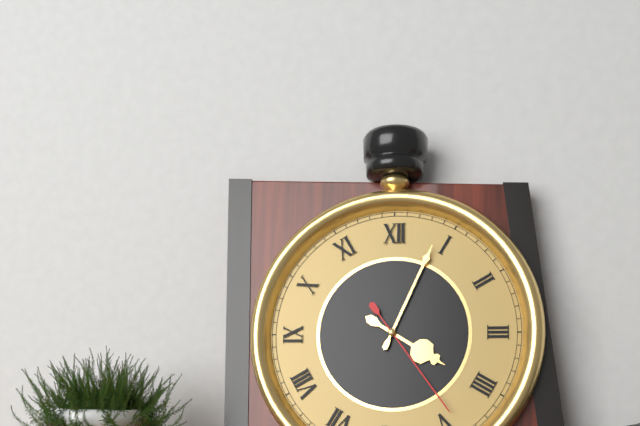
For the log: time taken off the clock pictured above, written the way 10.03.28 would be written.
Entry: 4.04.24
